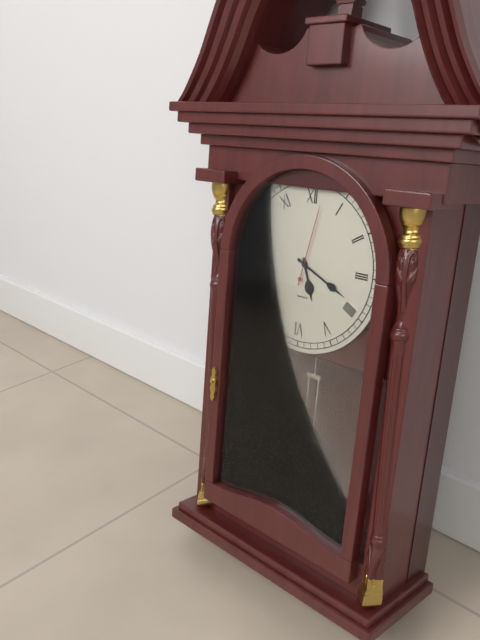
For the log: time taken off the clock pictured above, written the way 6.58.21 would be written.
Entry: 5.19.02
